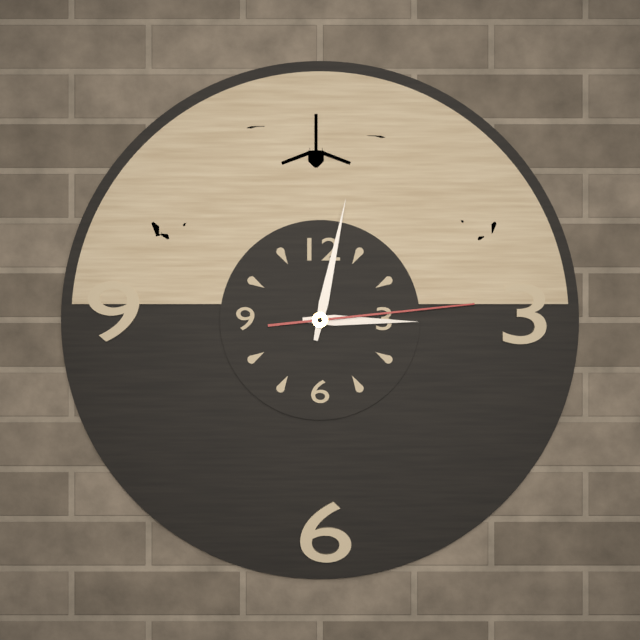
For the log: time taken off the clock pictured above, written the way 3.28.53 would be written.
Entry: 3.02.14
